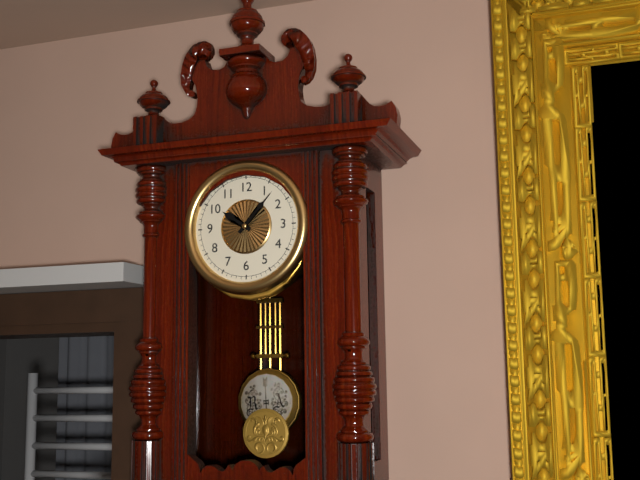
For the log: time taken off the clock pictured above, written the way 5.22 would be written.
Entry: 10.07
